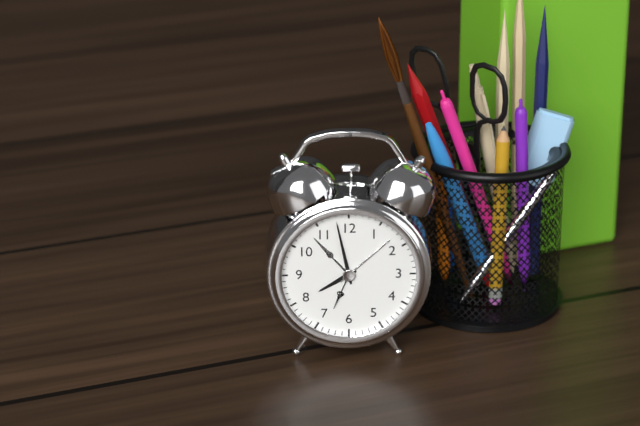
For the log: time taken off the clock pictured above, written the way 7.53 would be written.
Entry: 7.58
